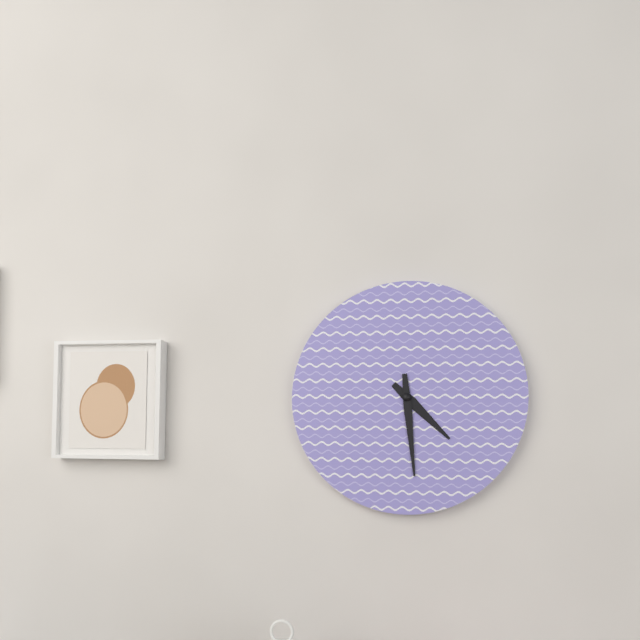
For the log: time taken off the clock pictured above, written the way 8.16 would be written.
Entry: 4.29
